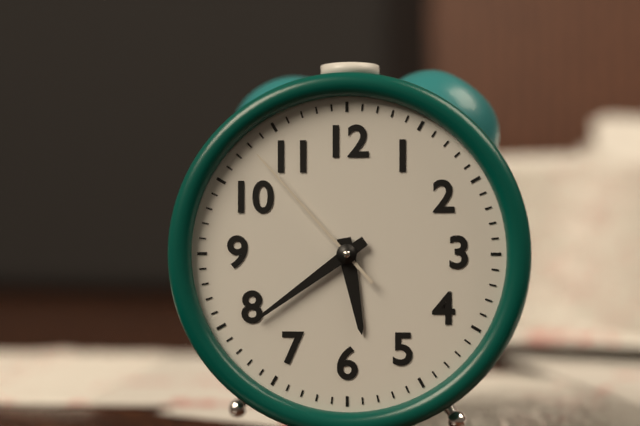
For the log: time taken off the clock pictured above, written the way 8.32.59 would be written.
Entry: 5.39.53
